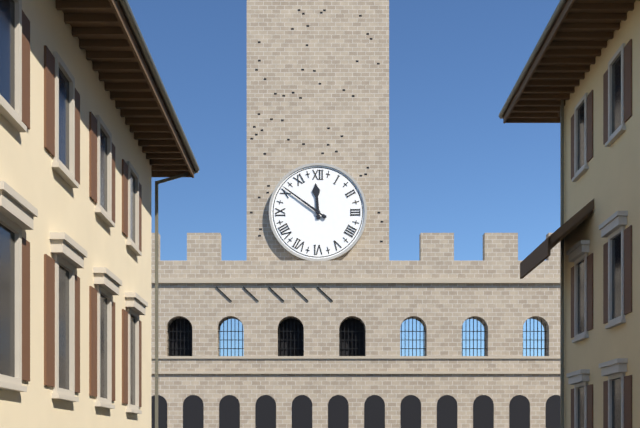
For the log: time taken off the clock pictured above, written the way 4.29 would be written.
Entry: 11.51
